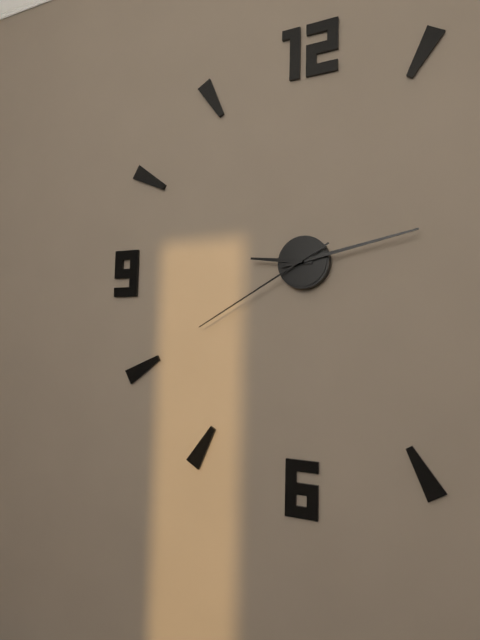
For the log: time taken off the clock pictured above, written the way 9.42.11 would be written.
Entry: 9.13.40
